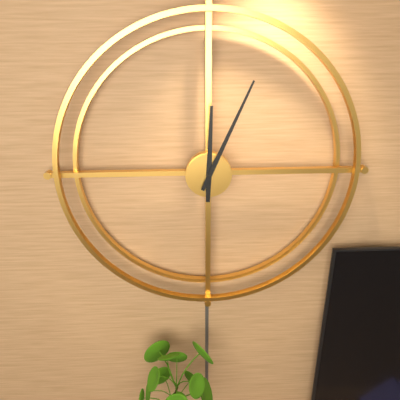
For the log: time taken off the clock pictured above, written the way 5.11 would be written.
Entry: 12.04
